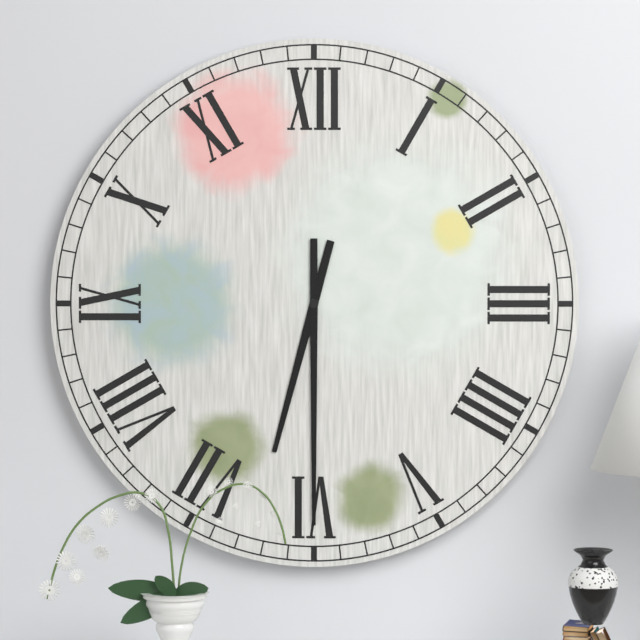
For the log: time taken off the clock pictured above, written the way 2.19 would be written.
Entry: 6.30
